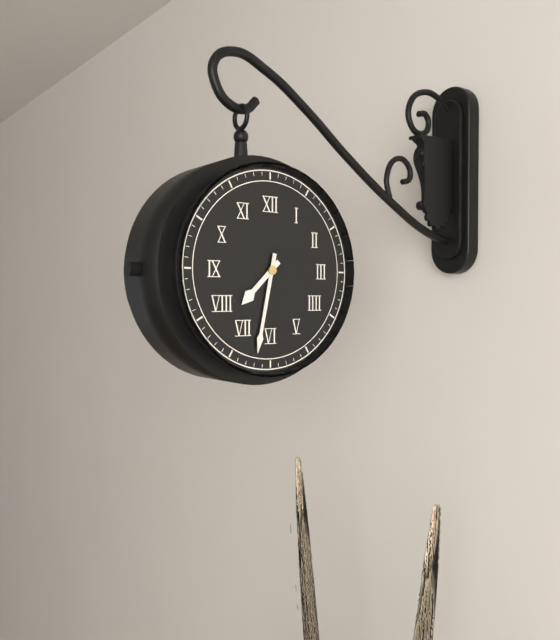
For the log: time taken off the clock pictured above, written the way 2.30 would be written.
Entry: 7.32
